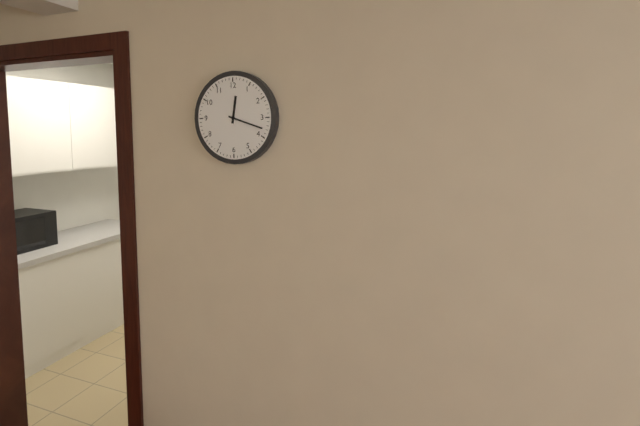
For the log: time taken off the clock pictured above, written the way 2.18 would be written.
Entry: 12.18
